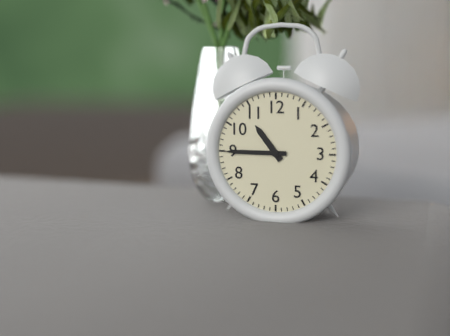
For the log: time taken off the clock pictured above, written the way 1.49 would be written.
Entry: 10.45
